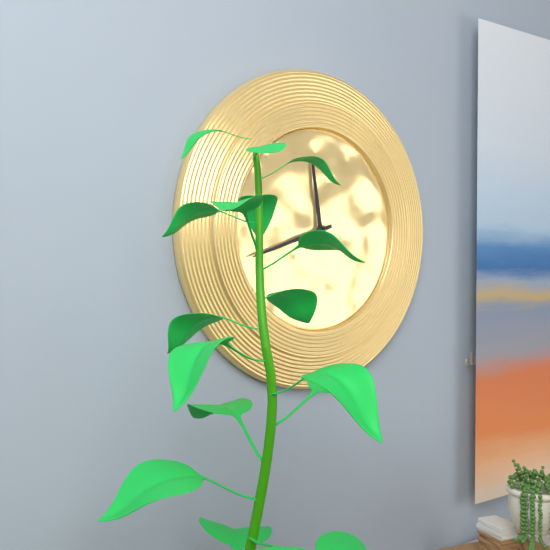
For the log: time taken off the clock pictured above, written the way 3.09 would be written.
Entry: 11.42
